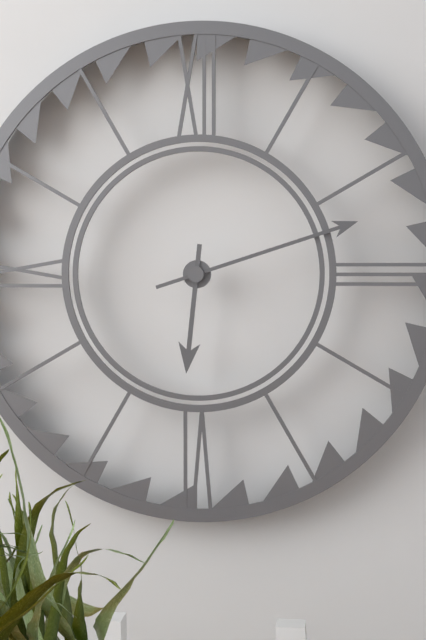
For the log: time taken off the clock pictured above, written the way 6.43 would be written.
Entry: 6.12
